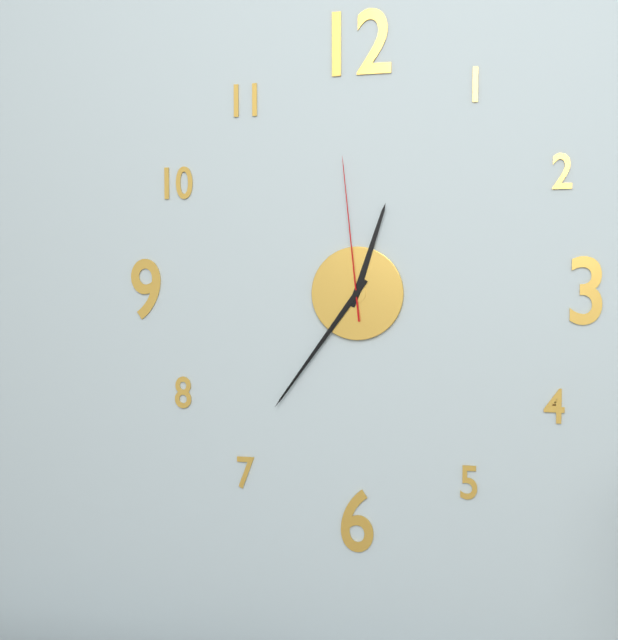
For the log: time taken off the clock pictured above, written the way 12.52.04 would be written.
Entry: 12.36.59
